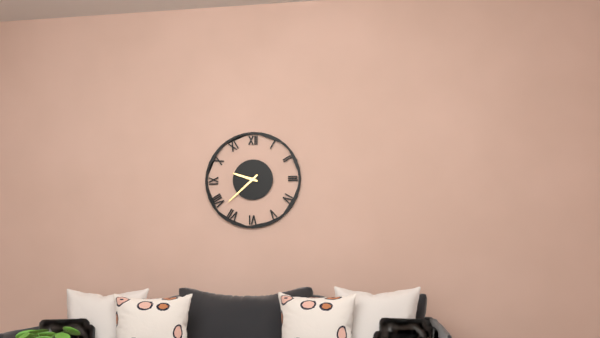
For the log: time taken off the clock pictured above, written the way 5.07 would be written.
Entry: 9.38
